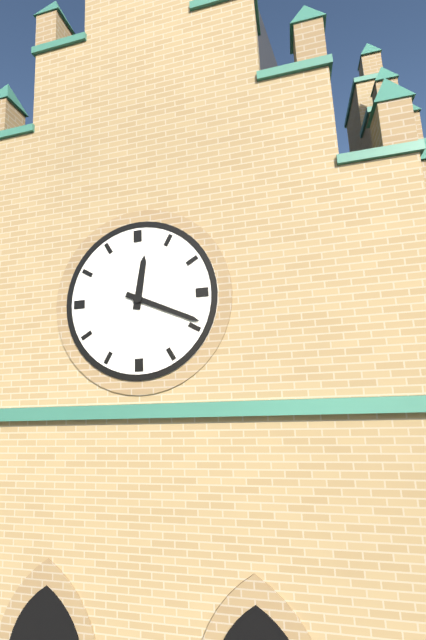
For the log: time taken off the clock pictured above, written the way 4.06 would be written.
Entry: 12.19
